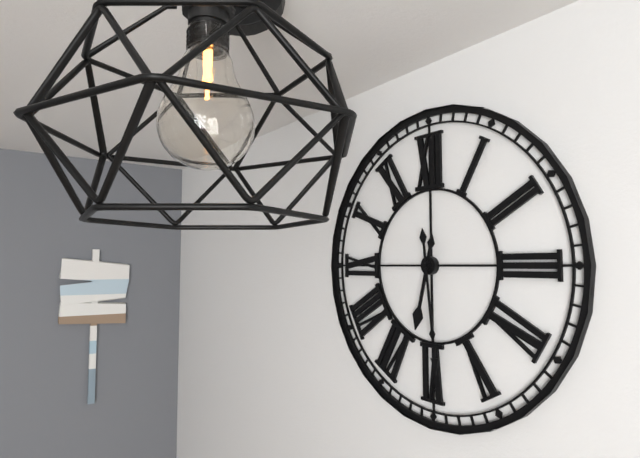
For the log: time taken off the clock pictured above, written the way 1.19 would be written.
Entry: 6.29
